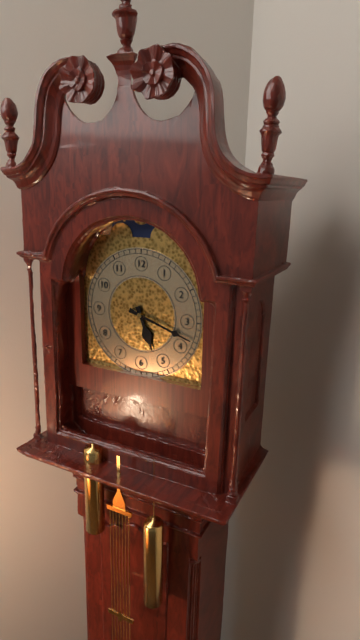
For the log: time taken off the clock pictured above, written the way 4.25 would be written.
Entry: 5.18
